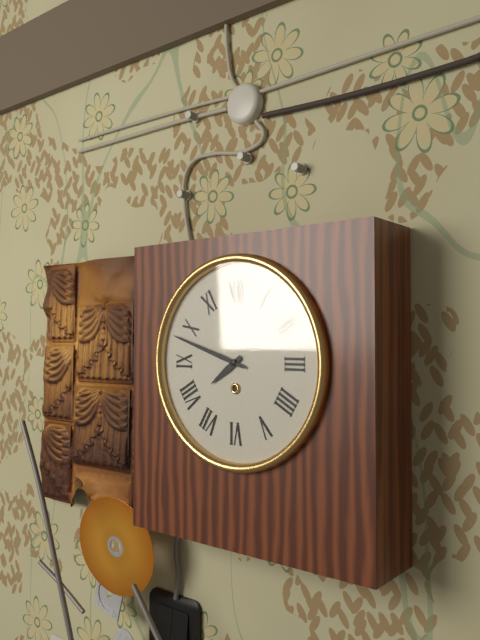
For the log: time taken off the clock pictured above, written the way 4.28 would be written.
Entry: 7.48
